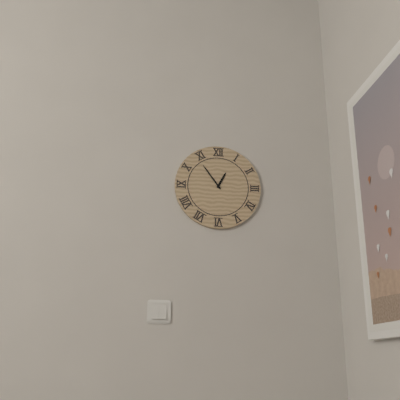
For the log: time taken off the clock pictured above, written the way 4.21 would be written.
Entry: 12.54
